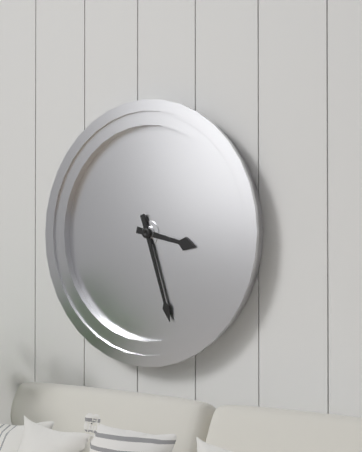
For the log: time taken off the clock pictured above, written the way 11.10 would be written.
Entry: 3.27
